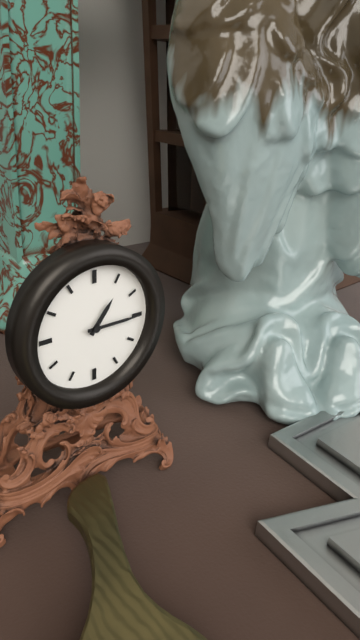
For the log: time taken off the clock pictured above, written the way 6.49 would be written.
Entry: 1.15
